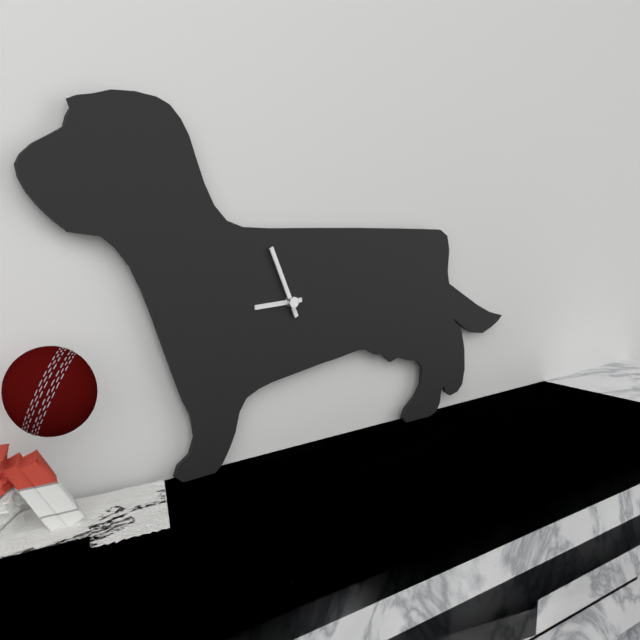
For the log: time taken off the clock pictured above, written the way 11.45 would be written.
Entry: 8.56
